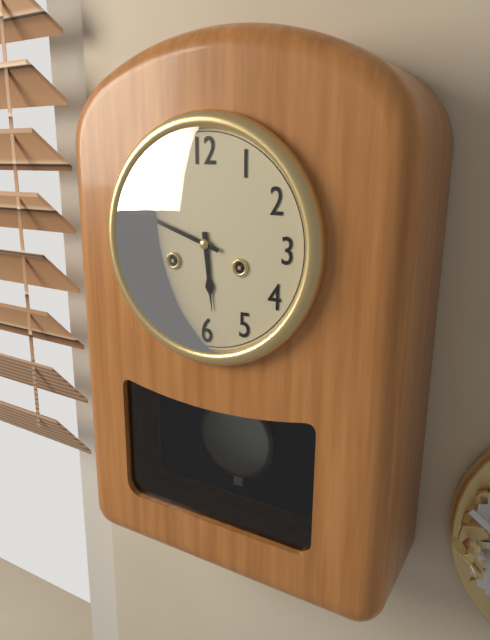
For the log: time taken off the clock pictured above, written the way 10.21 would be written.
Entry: 5.48
